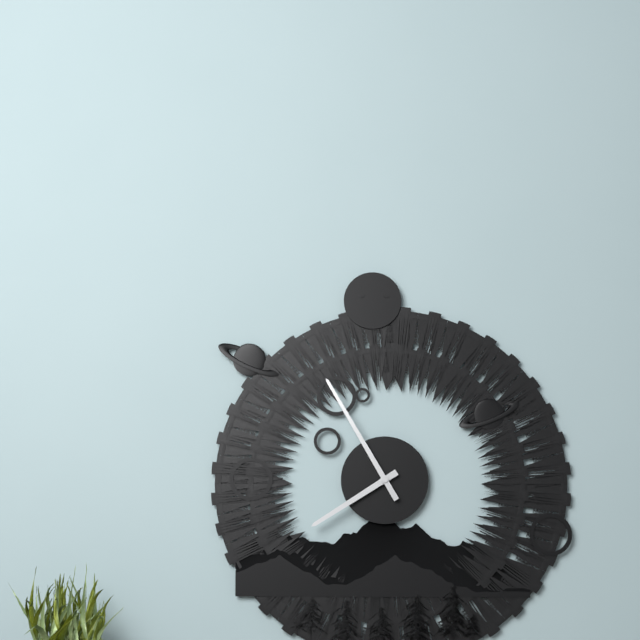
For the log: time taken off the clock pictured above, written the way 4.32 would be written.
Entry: 7.55
